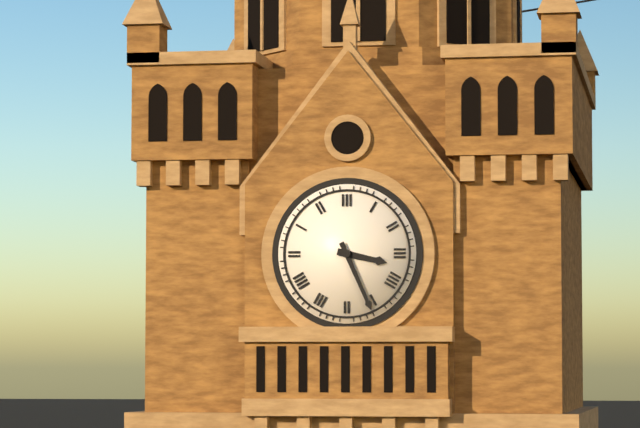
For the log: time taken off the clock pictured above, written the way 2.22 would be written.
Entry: 3.26
